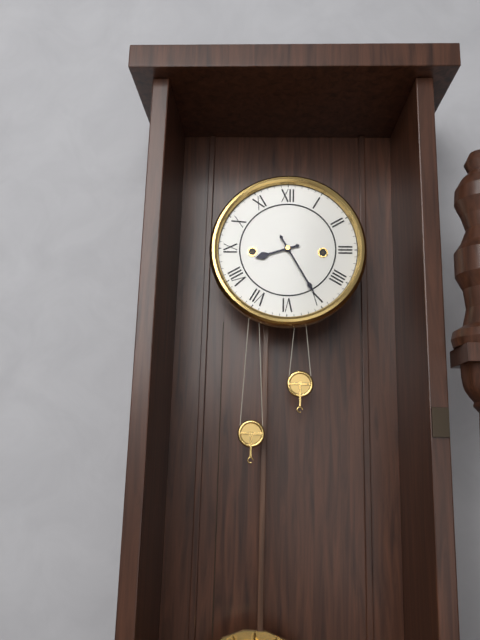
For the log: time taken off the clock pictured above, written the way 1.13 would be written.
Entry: 8.25
